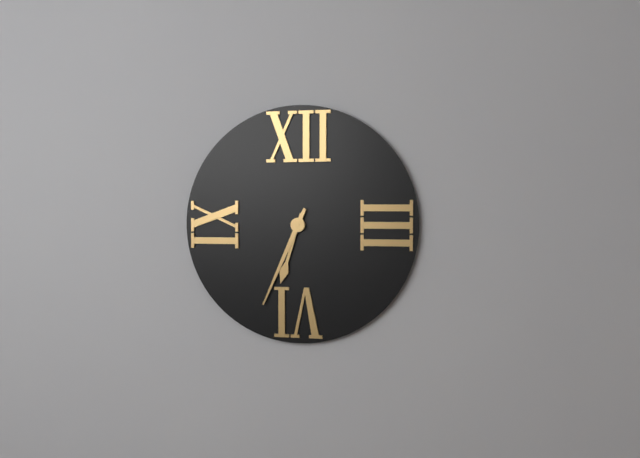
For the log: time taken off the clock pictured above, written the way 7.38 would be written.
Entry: 6.34
